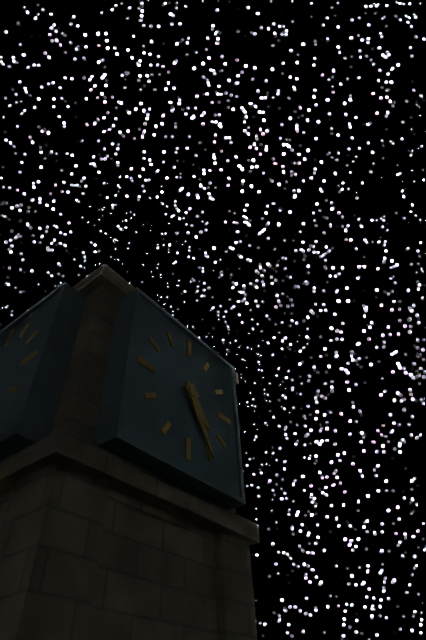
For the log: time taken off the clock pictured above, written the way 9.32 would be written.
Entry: 4.25
